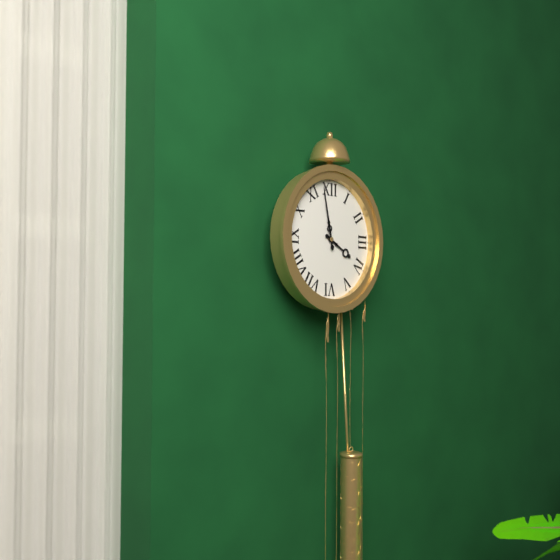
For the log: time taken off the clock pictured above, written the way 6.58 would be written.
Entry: 3.58
